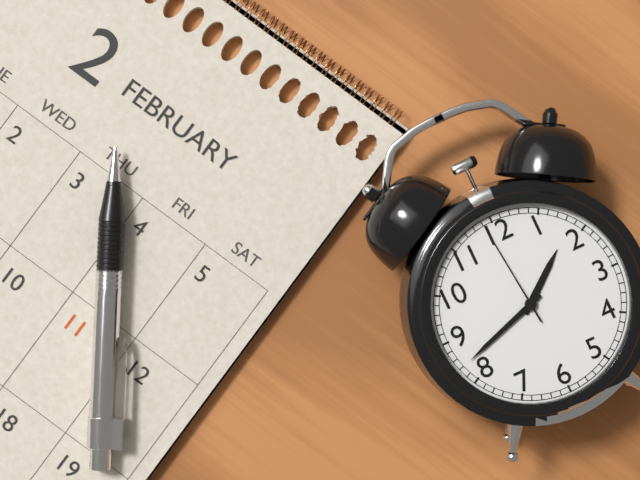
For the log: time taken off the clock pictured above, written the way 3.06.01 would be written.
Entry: 1.42.59
